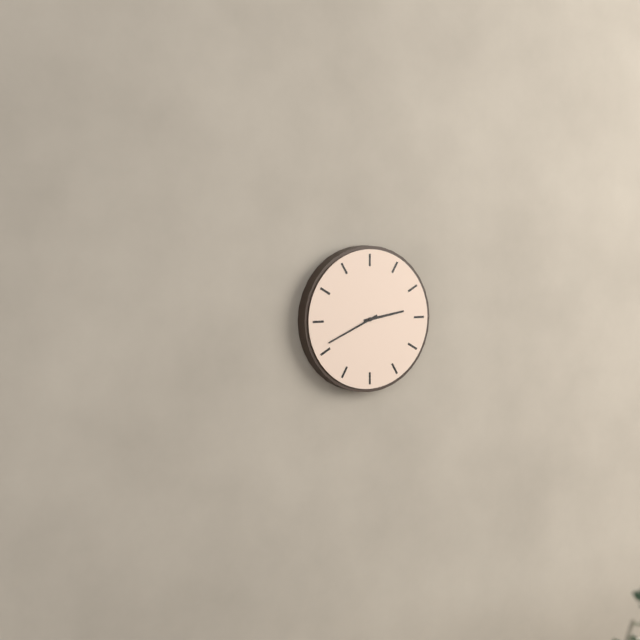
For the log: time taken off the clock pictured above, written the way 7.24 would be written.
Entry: 2.41
